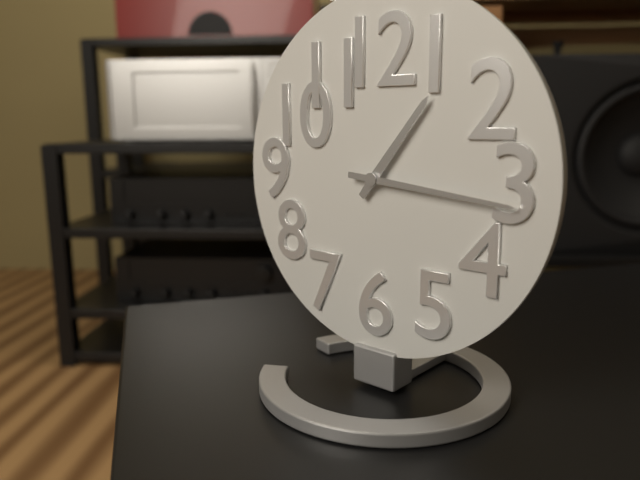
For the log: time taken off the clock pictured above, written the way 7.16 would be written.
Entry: 1.16
